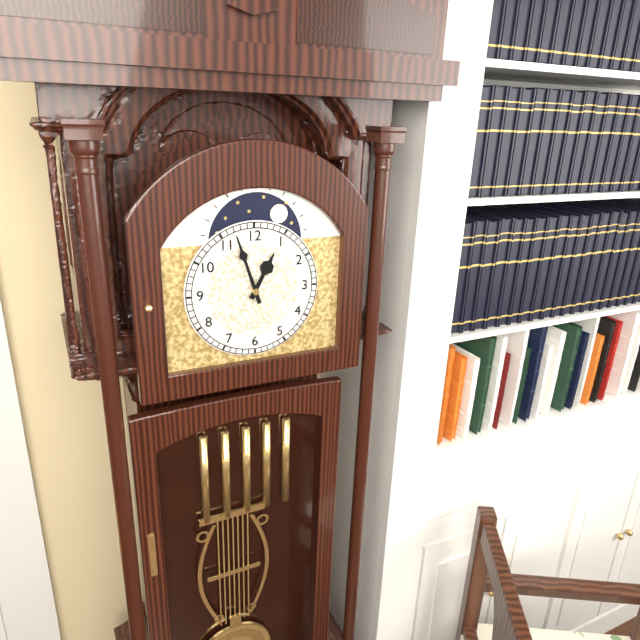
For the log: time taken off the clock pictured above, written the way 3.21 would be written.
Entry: 12.57
